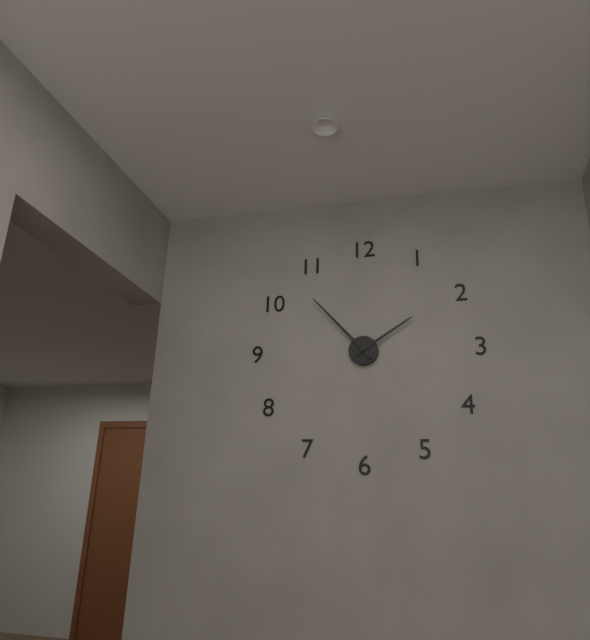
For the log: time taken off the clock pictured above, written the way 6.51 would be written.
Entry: 1.53
